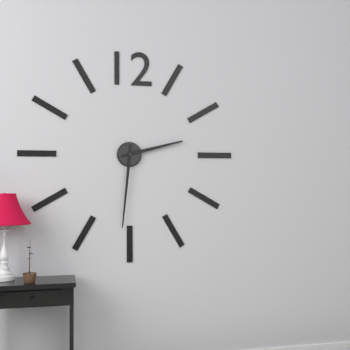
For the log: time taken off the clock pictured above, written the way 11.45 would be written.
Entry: 2.31
